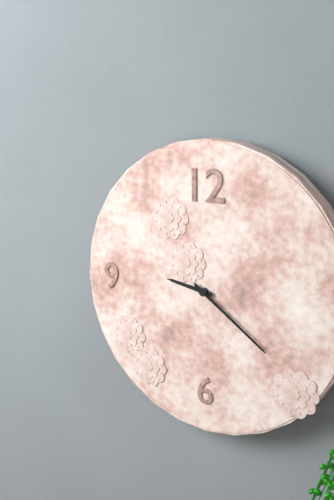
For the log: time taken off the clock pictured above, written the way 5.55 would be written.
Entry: 9.21
